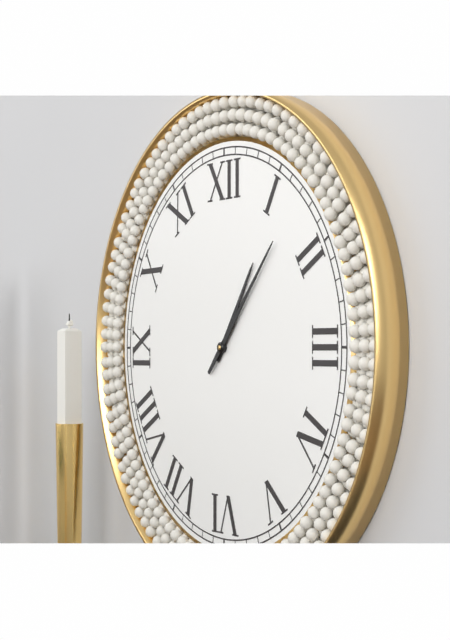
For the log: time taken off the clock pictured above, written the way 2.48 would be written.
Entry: 1.07
